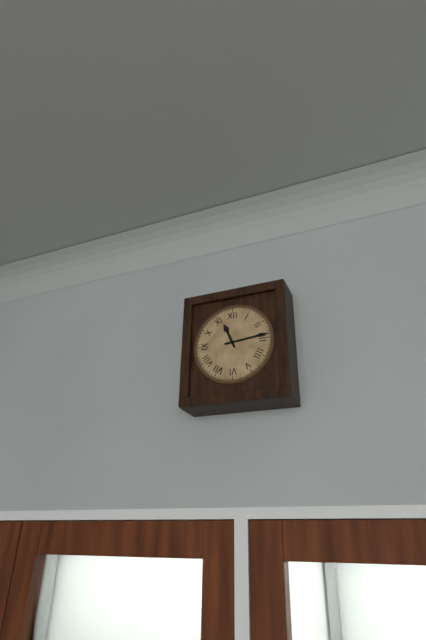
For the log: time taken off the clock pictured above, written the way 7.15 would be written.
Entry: 11.14
